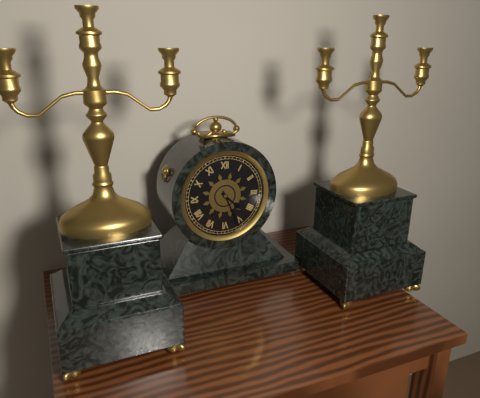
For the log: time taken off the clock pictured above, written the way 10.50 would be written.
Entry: 4.26
